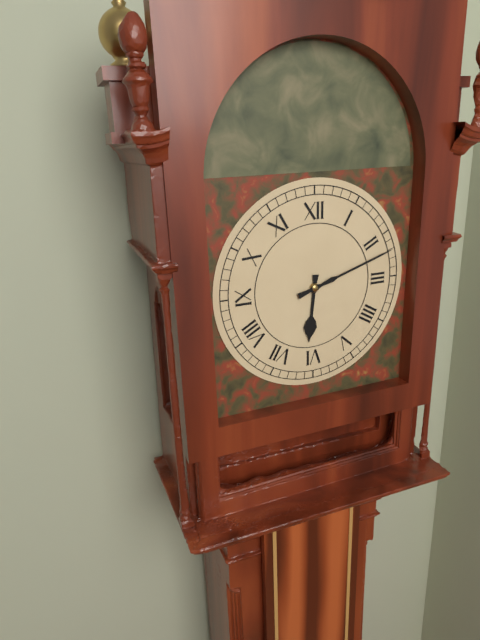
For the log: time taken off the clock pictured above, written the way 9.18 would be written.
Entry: 6.12
